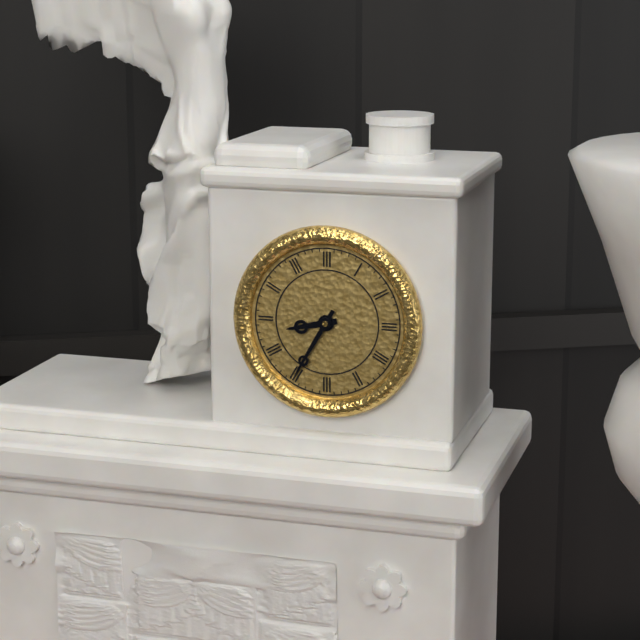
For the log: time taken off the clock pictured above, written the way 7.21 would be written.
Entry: 8.35
